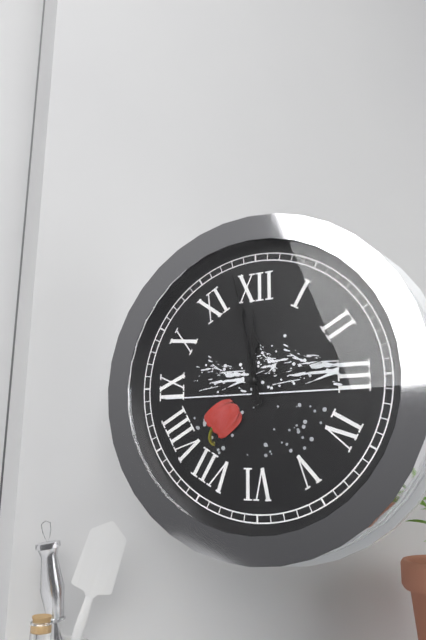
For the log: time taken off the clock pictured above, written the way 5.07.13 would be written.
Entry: 11.58.13
